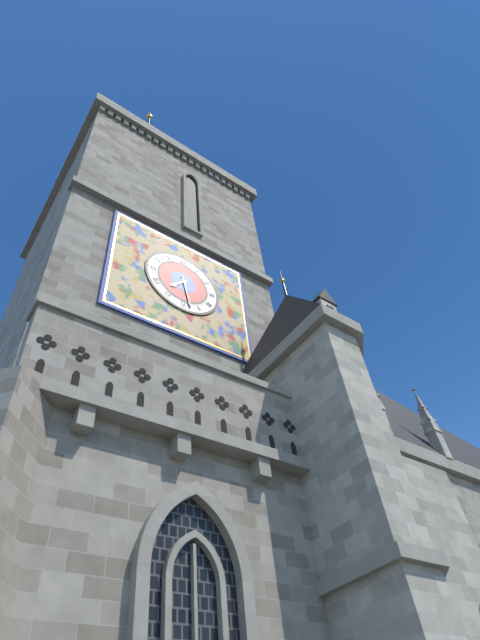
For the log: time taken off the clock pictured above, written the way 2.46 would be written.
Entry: 7.28
